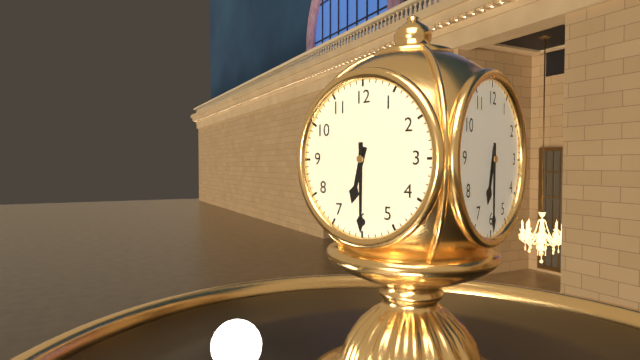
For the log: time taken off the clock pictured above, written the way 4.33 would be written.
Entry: 6.30
